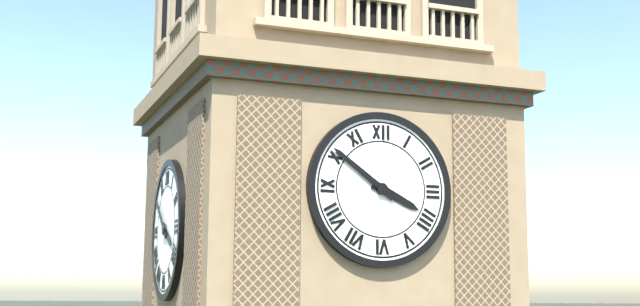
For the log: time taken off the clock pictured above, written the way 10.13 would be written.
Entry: 3.51
